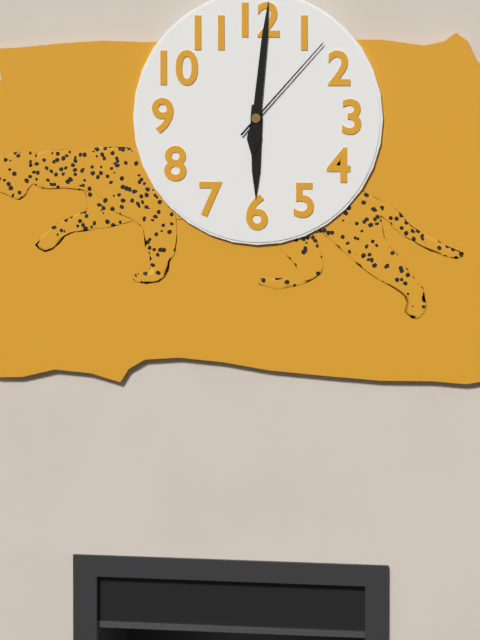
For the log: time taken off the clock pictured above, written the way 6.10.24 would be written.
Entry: 6.01.07
